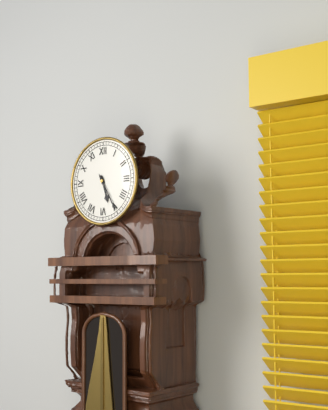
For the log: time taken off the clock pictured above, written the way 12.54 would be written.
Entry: 5.25
